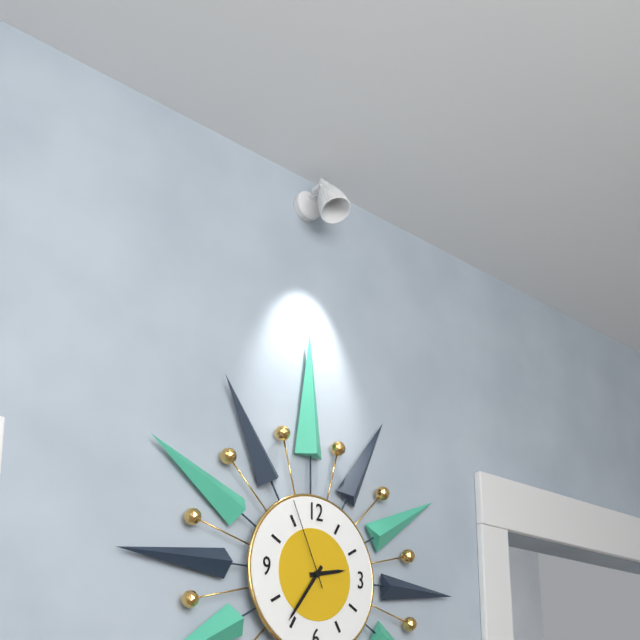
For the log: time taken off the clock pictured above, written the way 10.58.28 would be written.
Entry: 2.36.56
